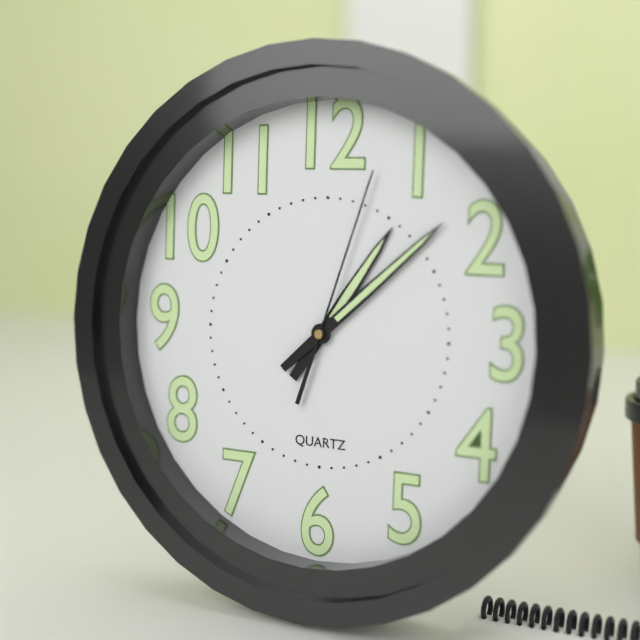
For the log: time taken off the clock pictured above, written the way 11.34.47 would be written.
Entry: 1.08.03
